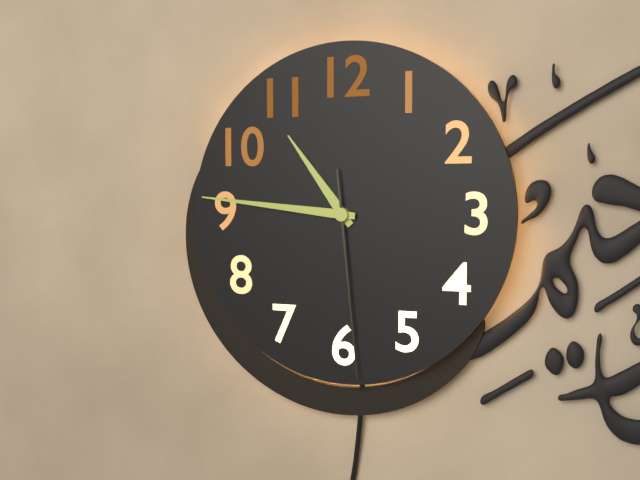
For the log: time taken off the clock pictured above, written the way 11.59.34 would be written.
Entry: 10.46.29
